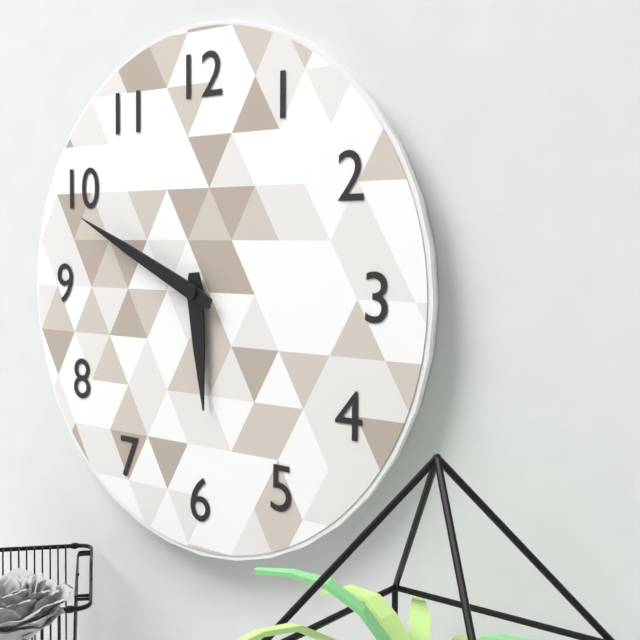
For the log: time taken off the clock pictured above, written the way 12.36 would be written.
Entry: 5.49
